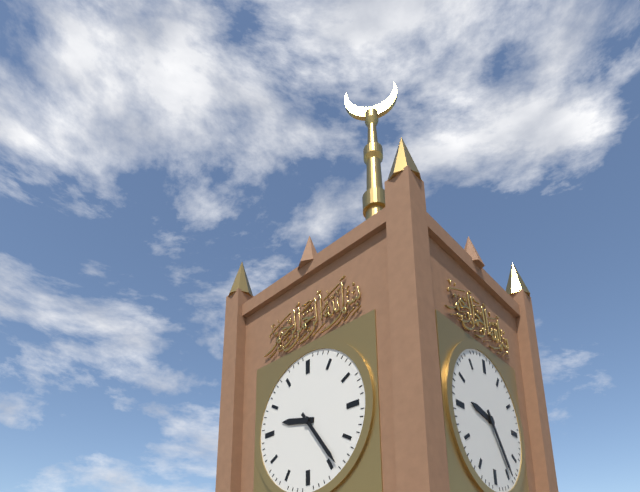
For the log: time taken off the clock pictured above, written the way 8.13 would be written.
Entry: 9.24
